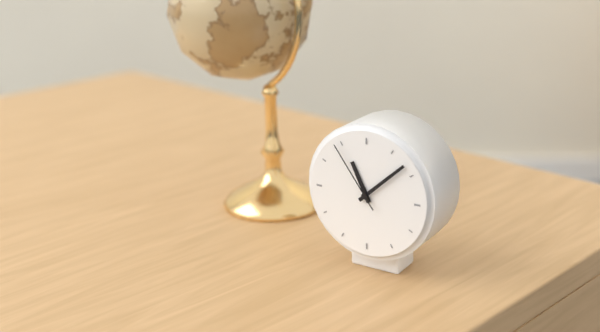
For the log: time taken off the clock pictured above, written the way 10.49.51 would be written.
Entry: 11.08.54
